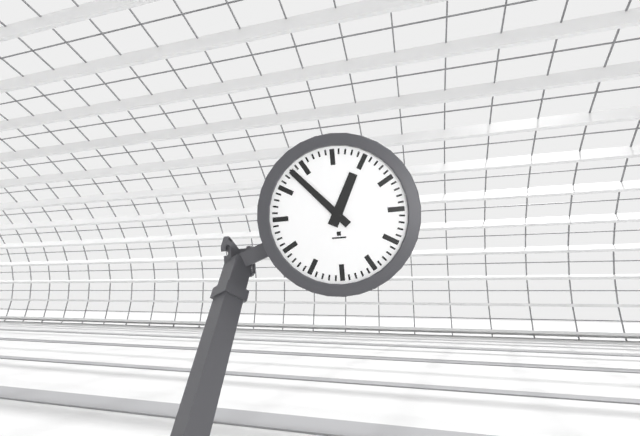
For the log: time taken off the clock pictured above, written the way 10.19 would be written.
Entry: 12.53
